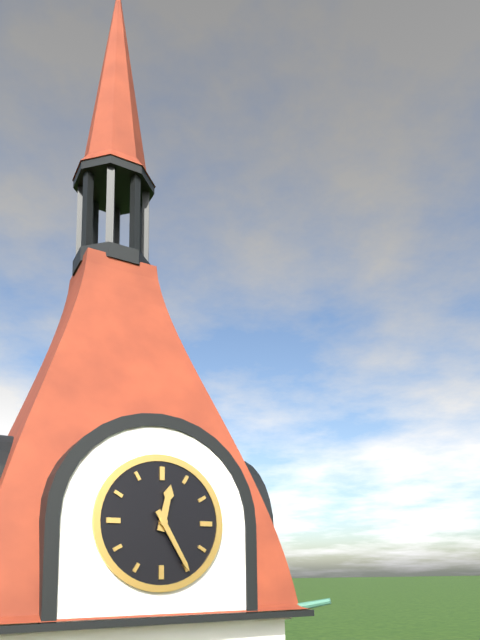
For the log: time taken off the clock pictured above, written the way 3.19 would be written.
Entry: 12.25
